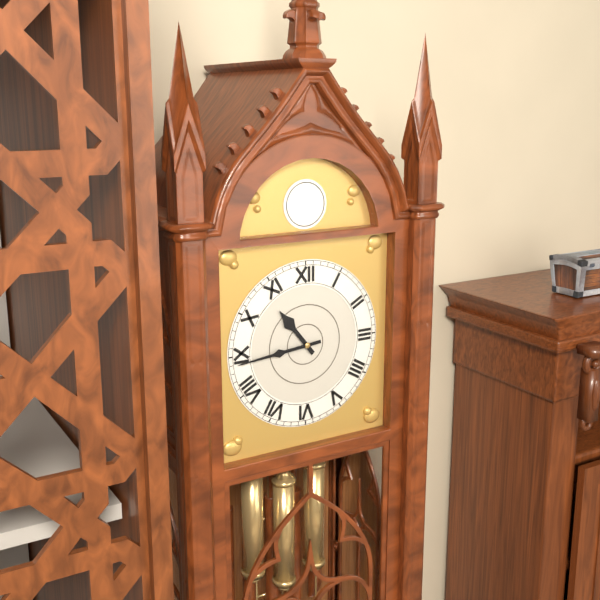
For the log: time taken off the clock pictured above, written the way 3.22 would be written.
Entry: 10.44
